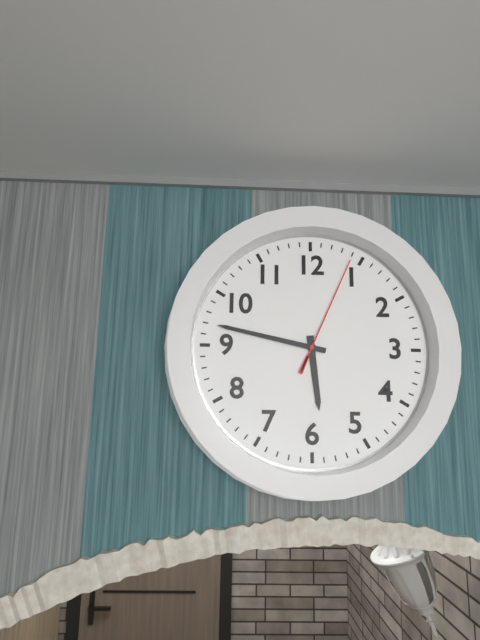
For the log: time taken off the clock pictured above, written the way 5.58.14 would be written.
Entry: 5.47.04
